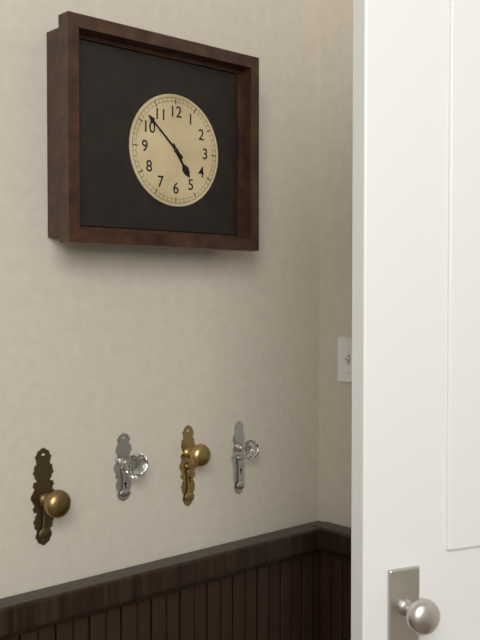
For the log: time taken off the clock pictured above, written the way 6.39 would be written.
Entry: 4.52
